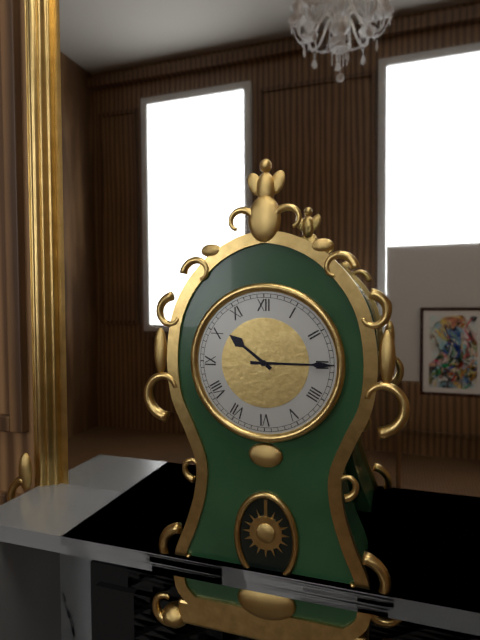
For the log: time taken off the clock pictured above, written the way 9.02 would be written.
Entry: 10.15
